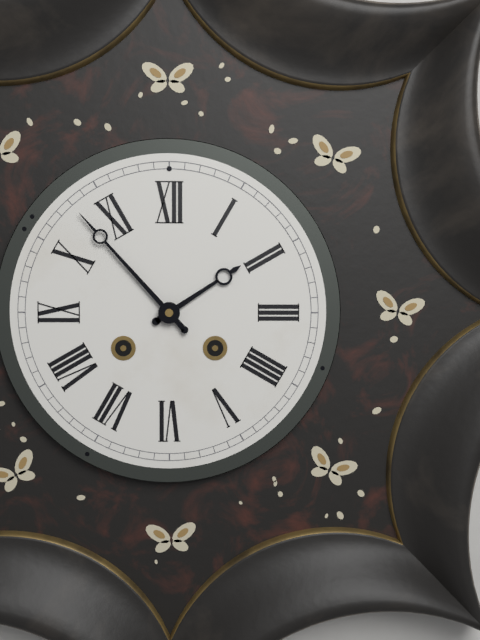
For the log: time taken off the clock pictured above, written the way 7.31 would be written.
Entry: 1.53
